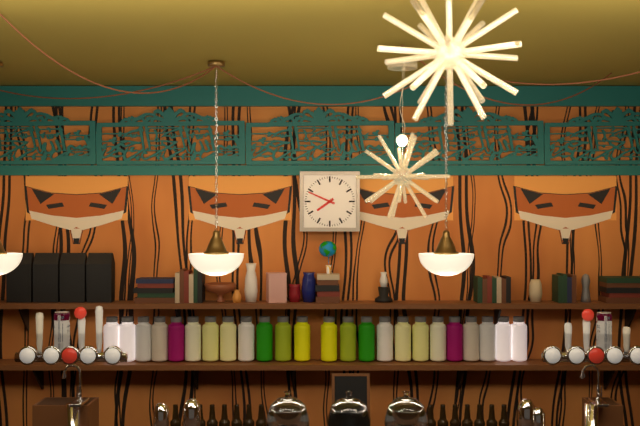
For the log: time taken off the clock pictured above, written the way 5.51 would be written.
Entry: 7.49
